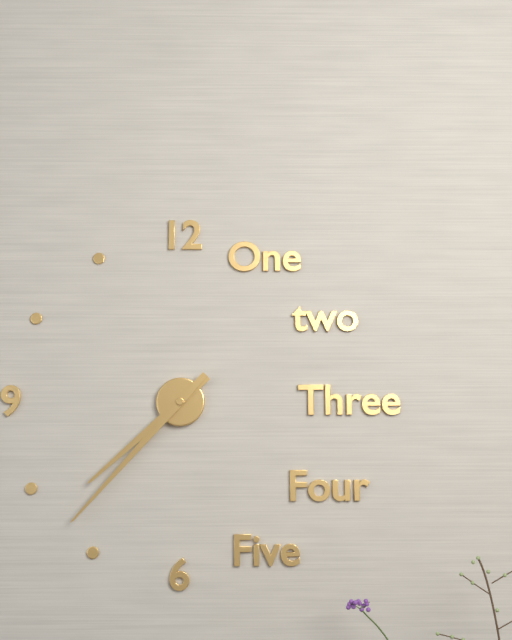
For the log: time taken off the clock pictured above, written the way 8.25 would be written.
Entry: 7.37
